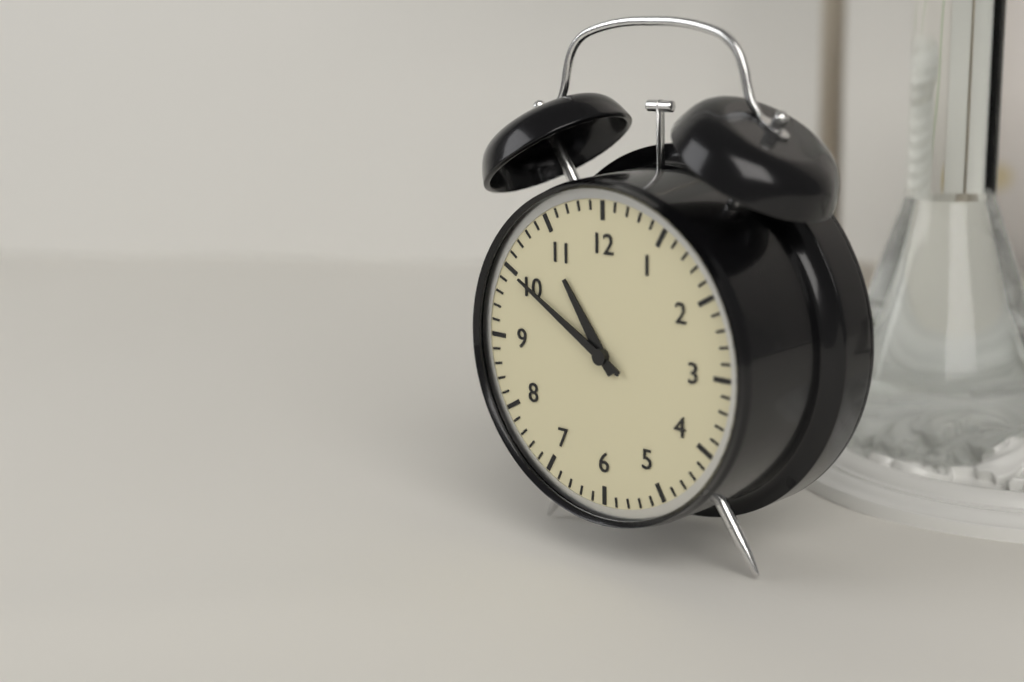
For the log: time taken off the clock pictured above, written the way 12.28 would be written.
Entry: 10.50
